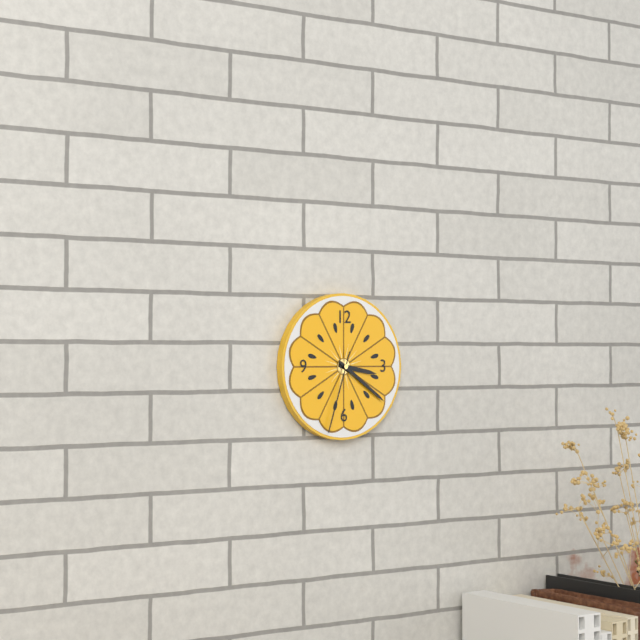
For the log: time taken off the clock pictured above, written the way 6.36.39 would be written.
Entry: 3.21.33
